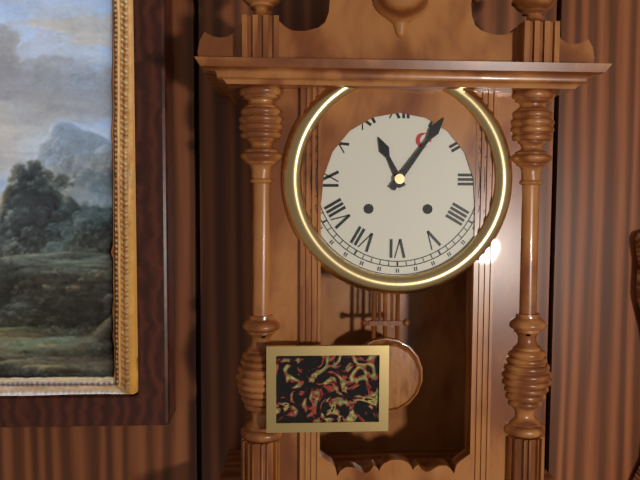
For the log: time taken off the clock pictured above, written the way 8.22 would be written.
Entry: 11.06
